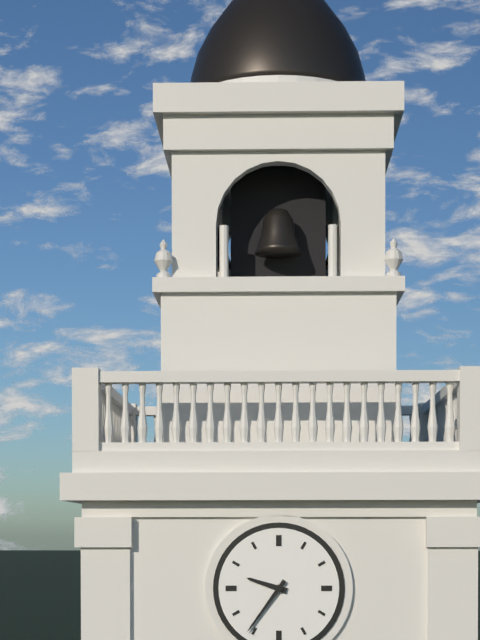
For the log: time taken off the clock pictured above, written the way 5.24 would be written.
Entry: 9.36
